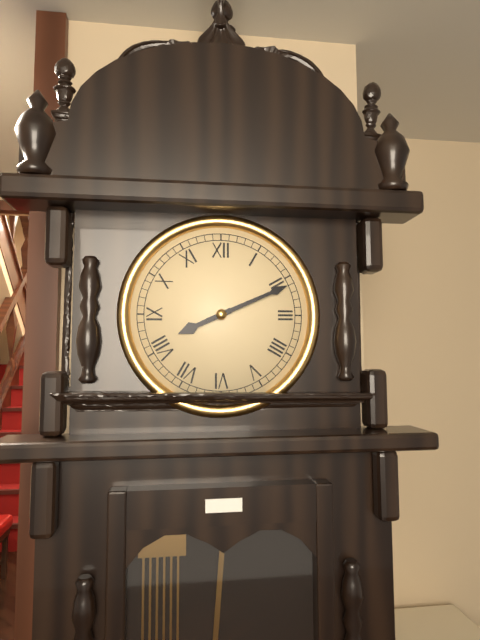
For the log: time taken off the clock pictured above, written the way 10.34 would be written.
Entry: 8.11
